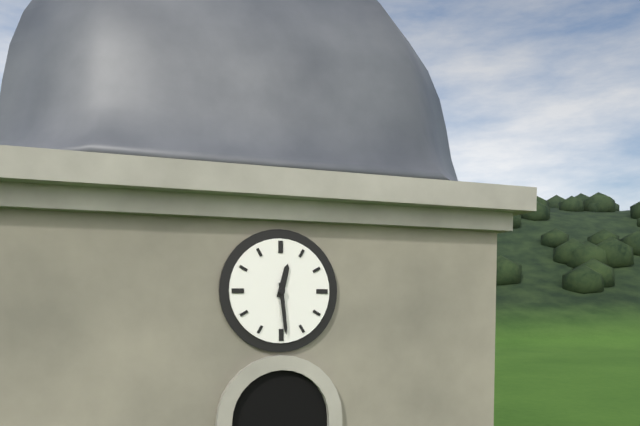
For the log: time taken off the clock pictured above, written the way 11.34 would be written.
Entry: 12.29
